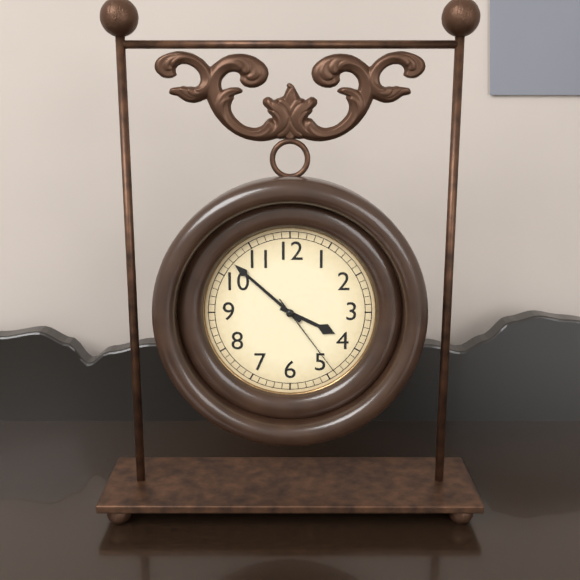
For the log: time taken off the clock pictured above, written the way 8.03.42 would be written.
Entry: 3.52.24
